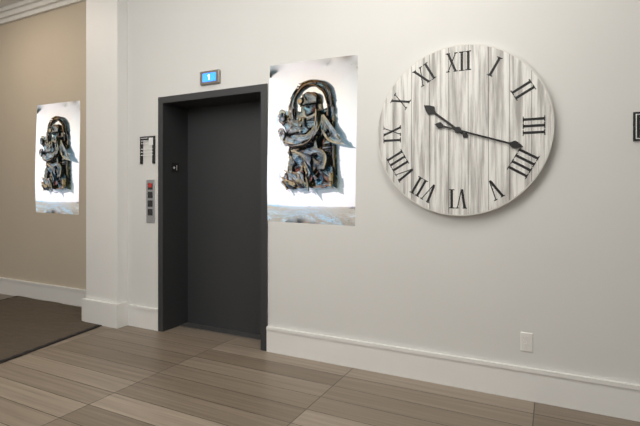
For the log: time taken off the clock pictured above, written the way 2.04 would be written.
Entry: 10.18
